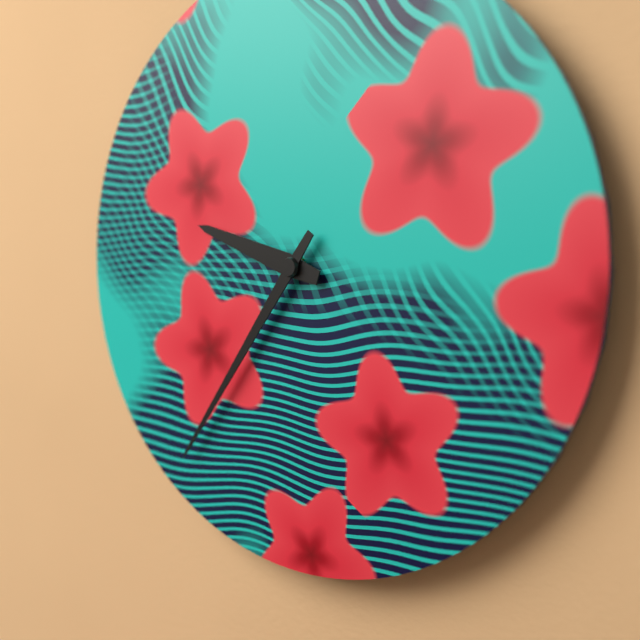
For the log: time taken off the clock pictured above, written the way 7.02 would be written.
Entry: 9.36
